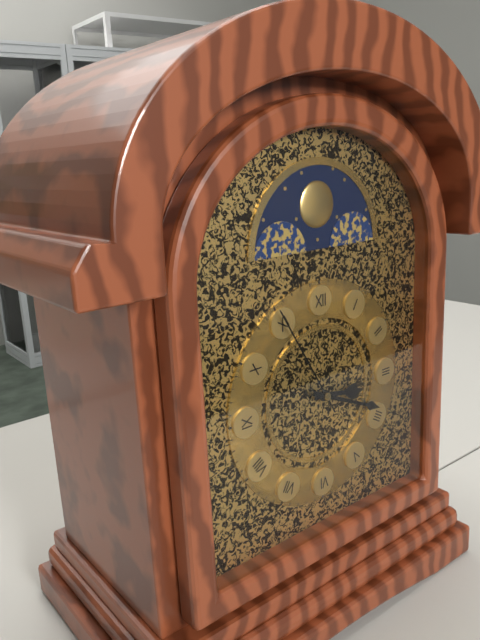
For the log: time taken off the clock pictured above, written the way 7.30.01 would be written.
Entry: 3.19.55
